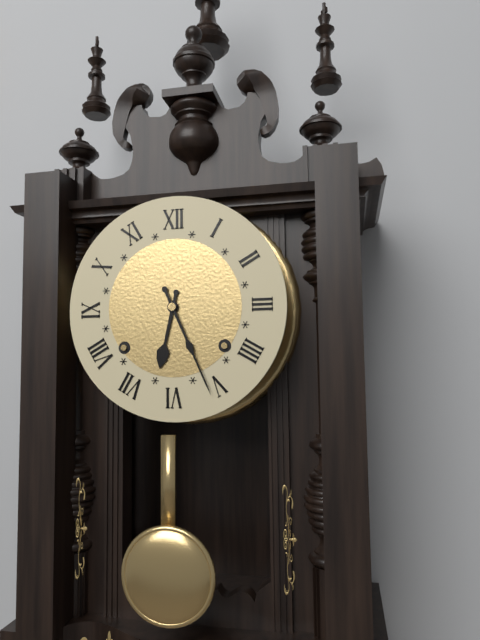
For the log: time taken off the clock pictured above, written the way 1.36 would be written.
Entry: 6.26
